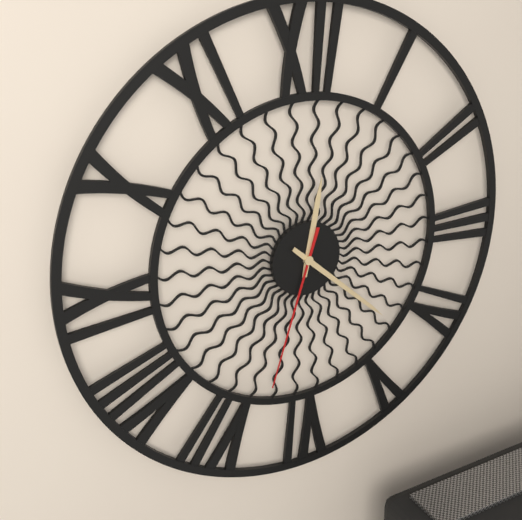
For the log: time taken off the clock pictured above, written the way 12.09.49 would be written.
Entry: 12.22.33
